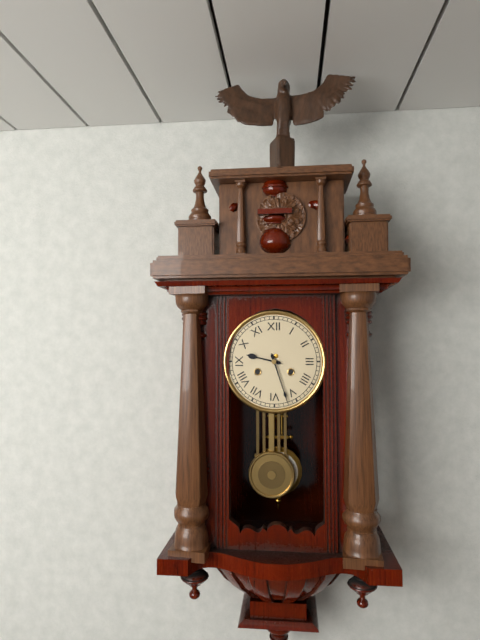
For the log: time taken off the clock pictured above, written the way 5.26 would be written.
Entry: 9.27
